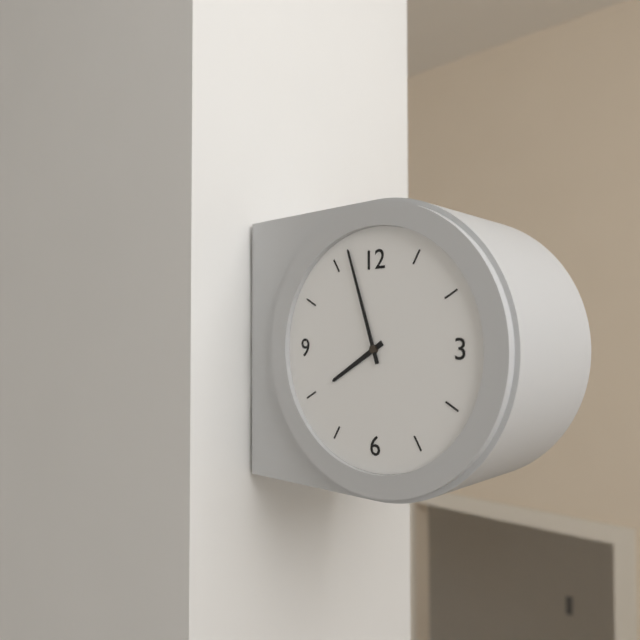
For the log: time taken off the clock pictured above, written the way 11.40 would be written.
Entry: 7.57
